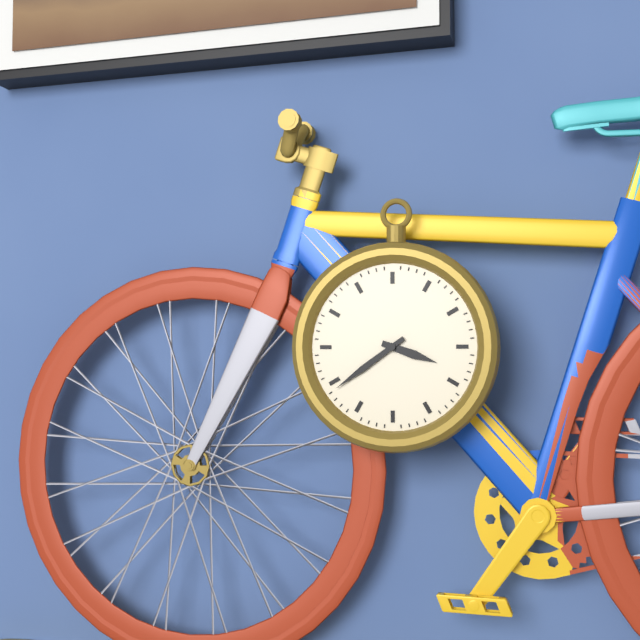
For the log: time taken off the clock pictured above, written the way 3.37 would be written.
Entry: 3.39
